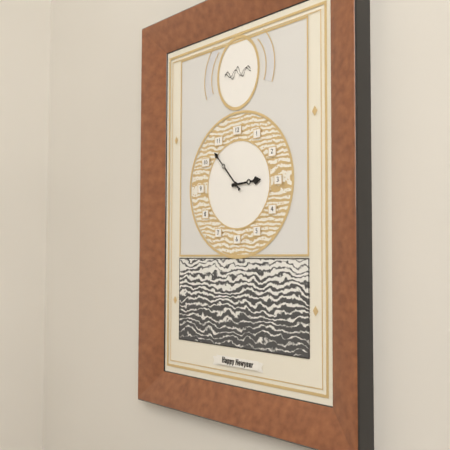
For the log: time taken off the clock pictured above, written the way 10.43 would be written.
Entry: 2.53
